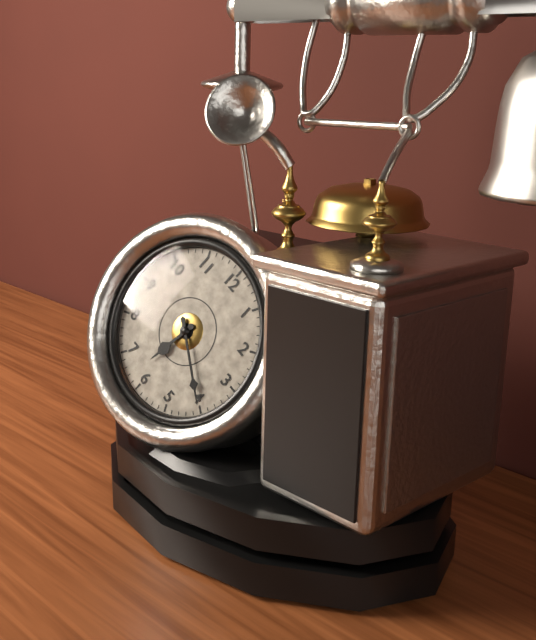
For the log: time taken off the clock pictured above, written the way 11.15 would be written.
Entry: 6.20
